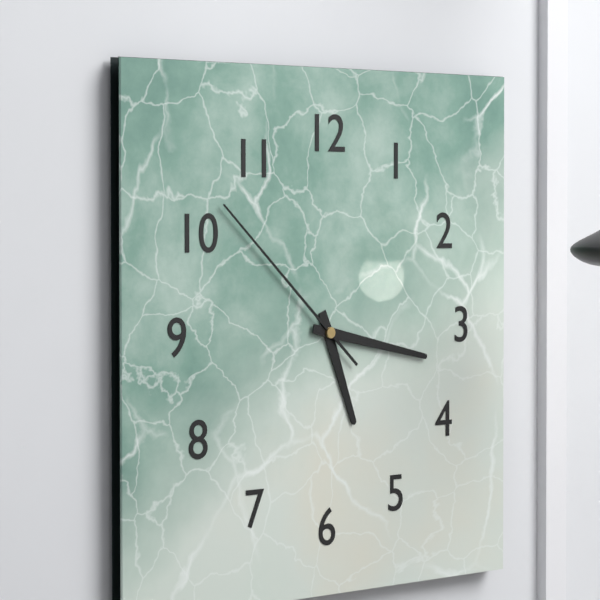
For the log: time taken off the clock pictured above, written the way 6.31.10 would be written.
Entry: 5.17.52
